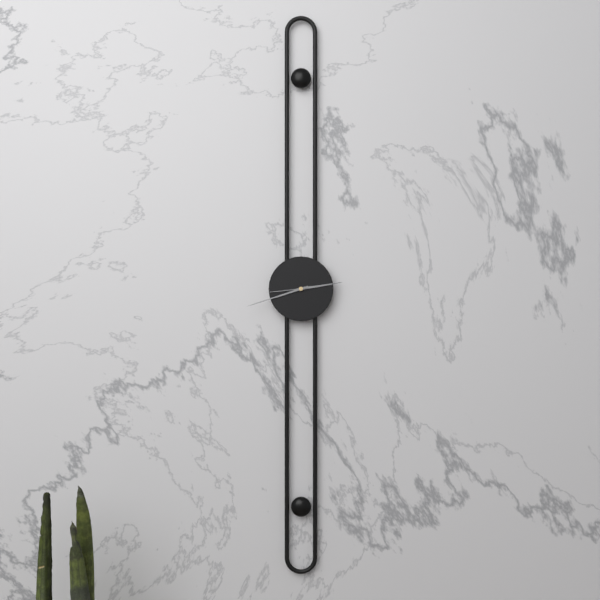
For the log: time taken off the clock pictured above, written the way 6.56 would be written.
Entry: 2.42
